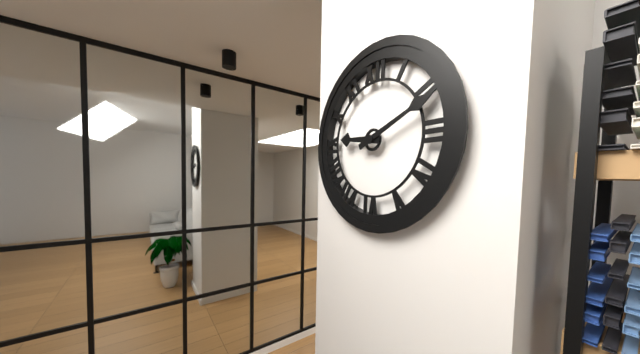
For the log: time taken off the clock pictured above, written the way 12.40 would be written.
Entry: 9.11
